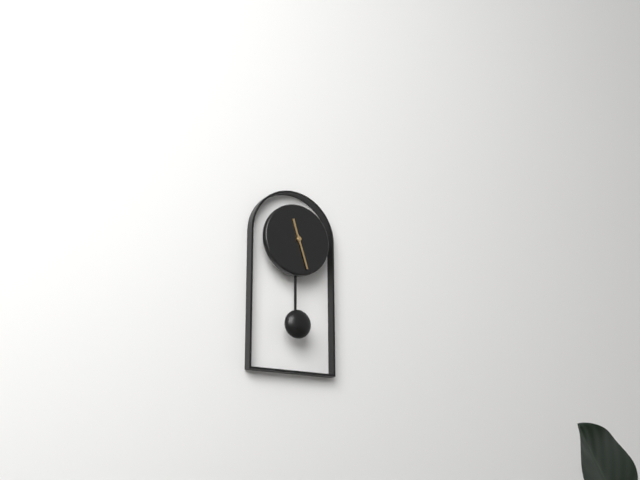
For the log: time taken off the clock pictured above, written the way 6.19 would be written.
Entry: 11.27
